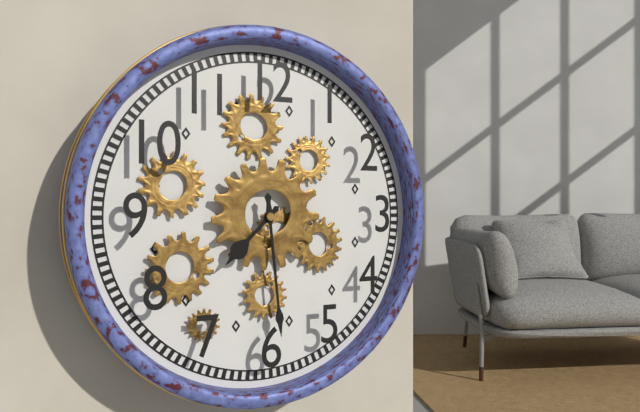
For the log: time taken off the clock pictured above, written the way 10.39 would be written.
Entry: 7.29
